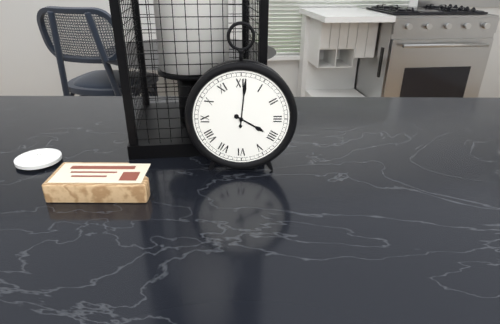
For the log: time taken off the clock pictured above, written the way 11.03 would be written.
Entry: 4.01
